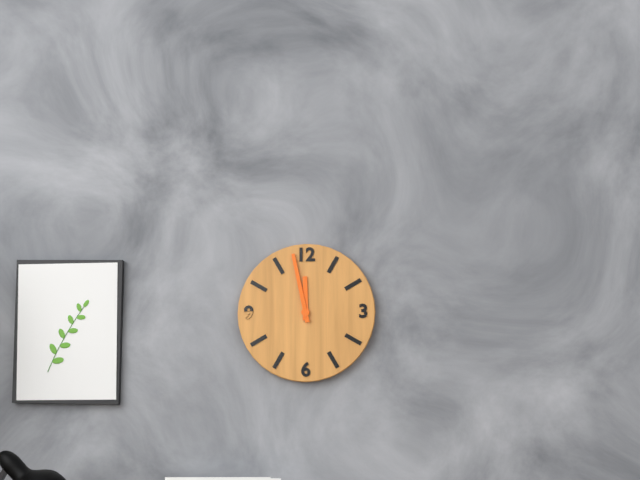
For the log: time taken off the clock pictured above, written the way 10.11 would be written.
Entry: 11.58
